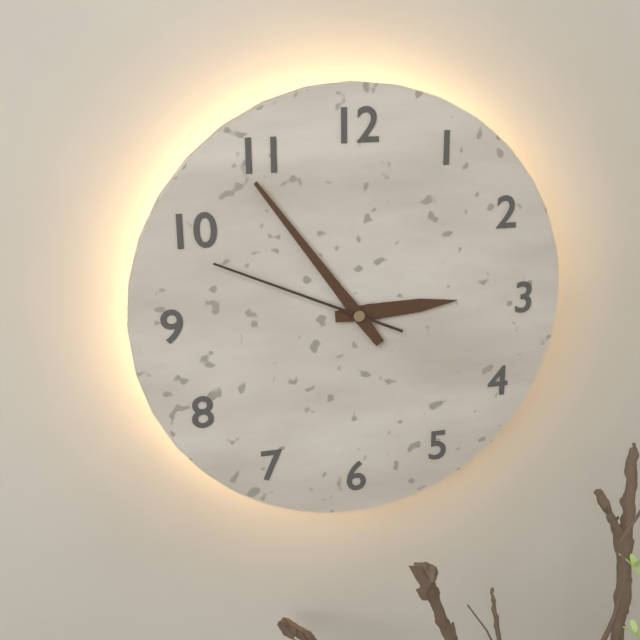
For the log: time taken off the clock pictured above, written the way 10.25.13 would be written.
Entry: 2.54.49
